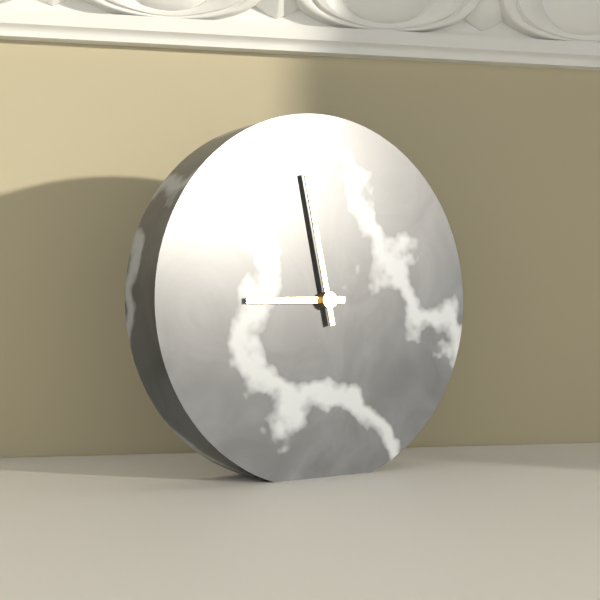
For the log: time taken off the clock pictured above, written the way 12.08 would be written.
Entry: 8.58
